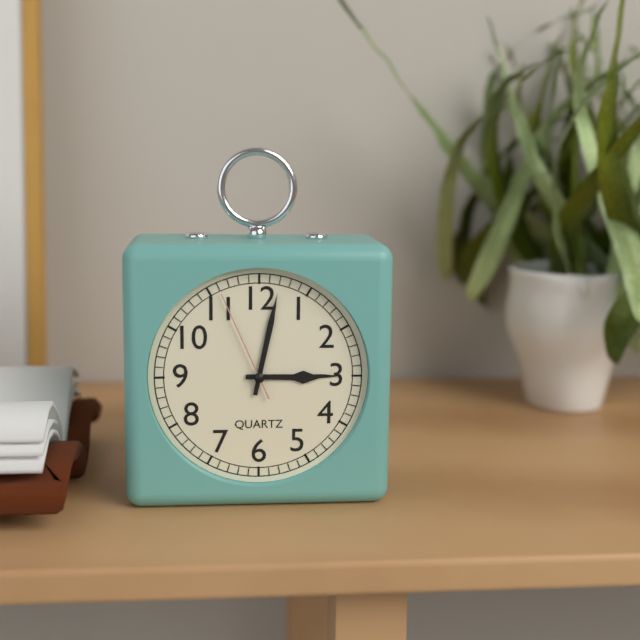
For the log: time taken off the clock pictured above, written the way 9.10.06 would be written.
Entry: 3.02.56
